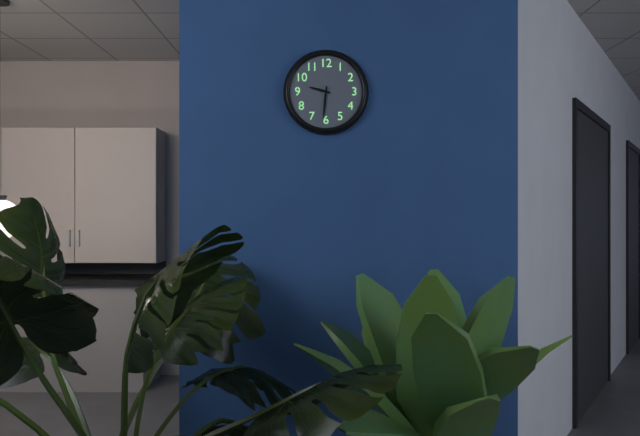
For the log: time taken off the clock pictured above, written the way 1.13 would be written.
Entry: 9.31
